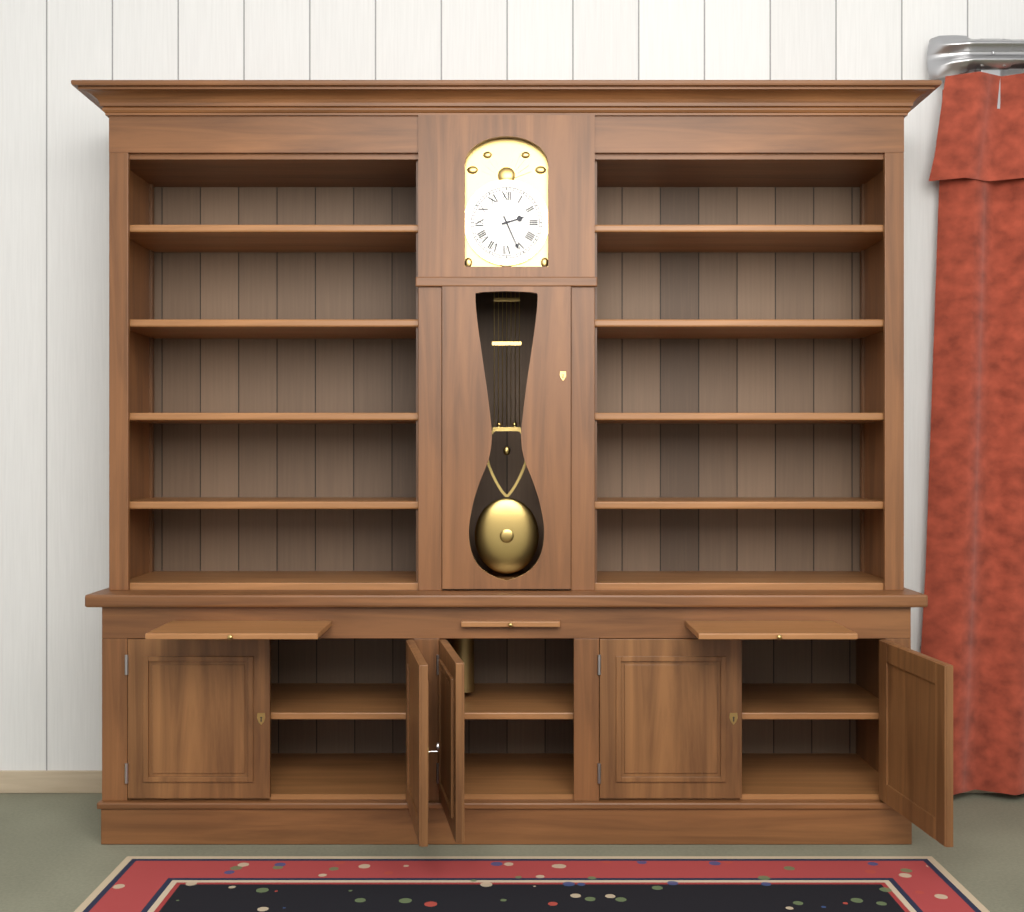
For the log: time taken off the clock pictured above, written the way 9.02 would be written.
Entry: 2.26
